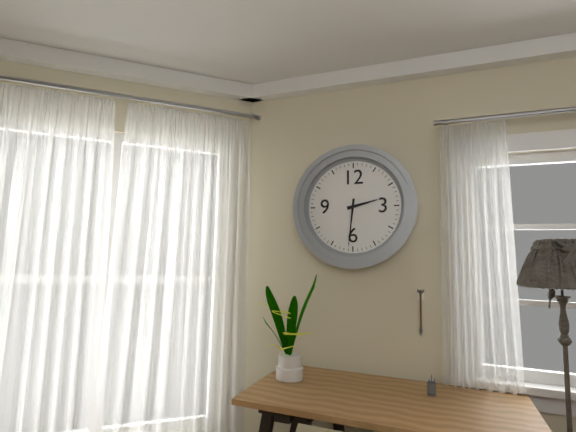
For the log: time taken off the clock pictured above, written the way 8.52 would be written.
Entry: 2.31
